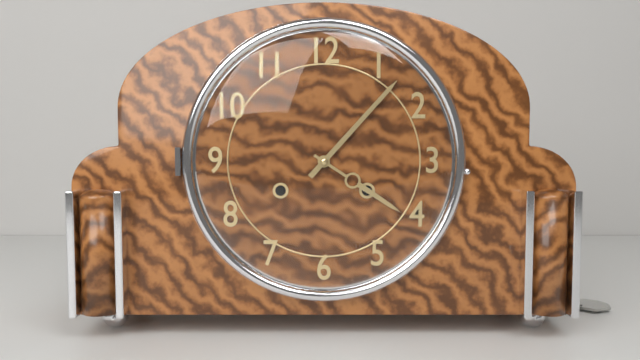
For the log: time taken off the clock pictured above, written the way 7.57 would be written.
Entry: 4.07
